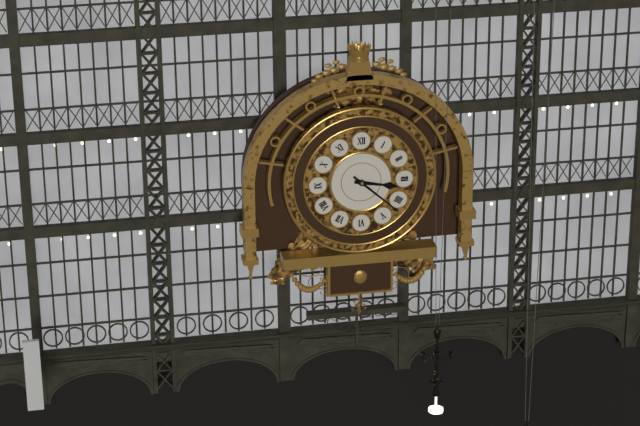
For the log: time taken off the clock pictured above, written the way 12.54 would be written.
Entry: 3.22
